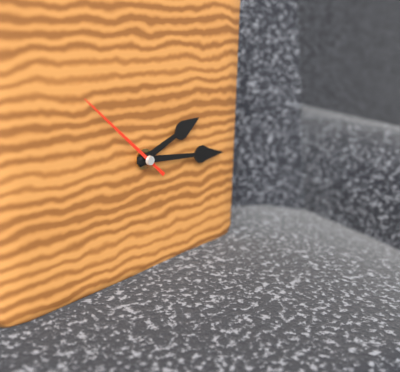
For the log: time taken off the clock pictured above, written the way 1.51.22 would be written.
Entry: 2.16.52
